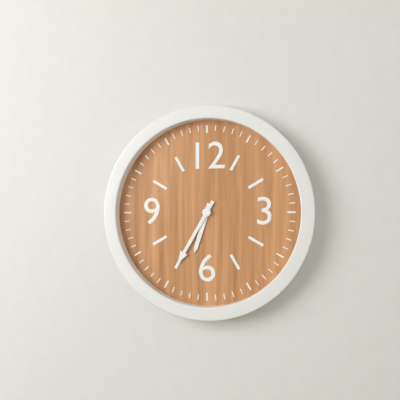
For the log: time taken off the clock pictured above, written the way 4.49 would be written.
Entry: 6.35
